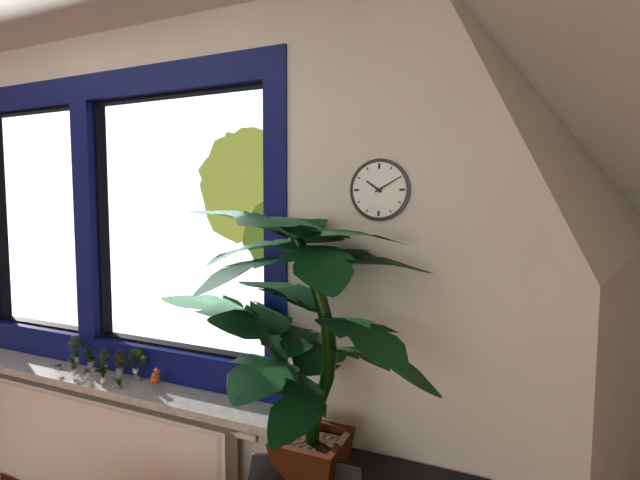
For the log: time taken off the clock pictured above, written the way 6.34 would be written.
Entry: 10.10
